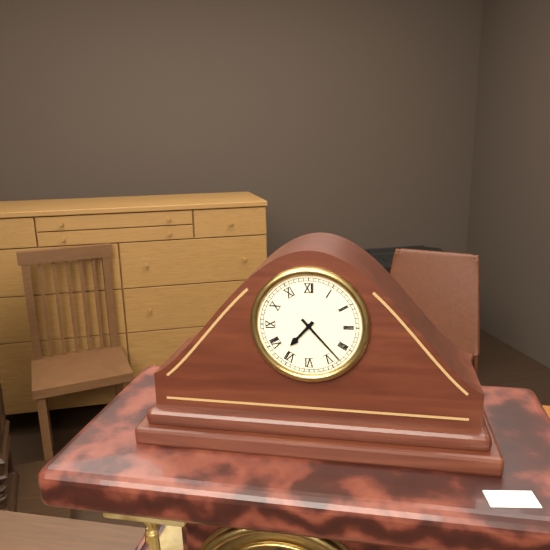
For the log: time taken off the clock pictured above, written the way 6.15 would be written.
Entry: 7.23
